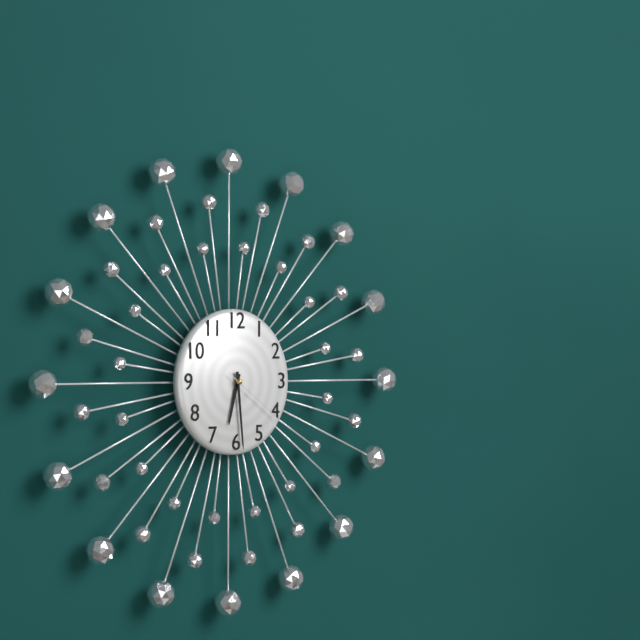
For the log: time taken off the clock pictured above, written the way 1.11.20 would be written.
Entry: 6.29.21
